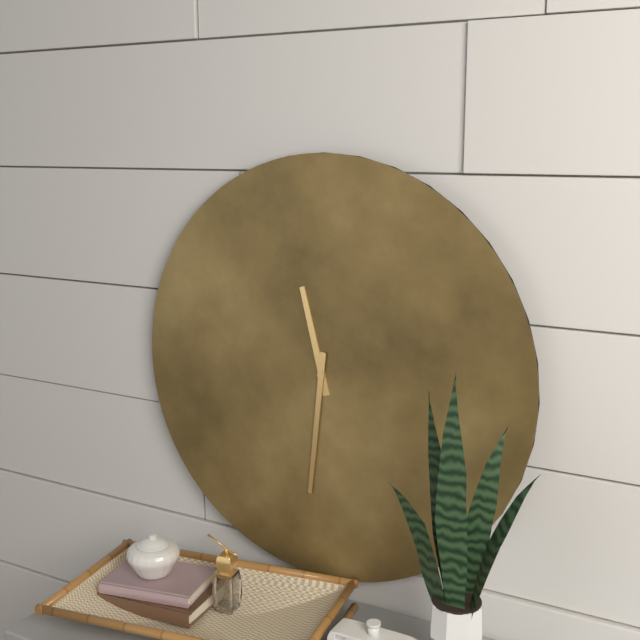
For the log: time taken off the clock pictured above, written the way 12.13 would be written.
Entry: 11.31
